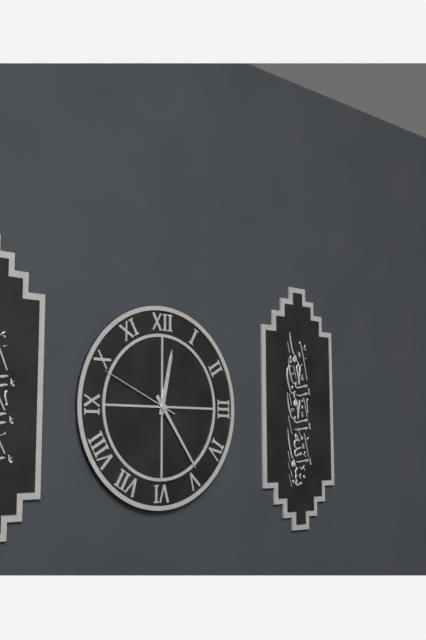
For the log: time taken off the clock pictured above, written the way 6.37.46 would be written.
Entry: 12.24.49
